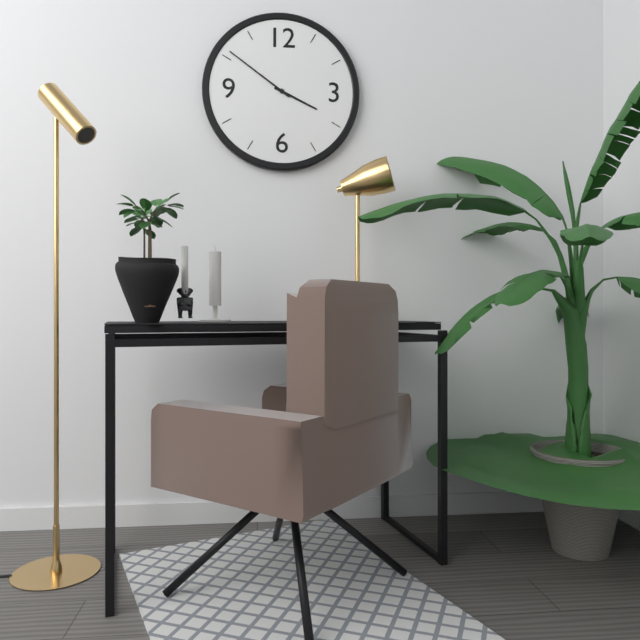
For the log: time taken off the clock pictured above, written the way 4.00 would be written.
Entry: 3.51
